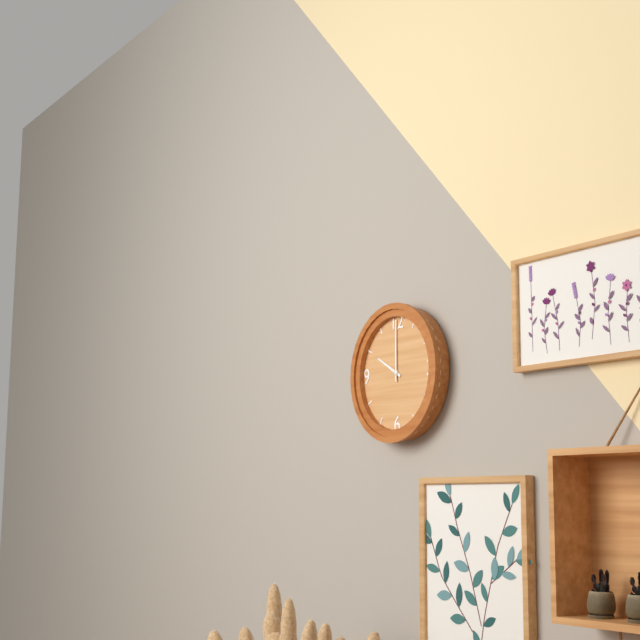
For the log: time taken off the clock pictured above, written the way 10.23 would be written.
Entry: 10.00
